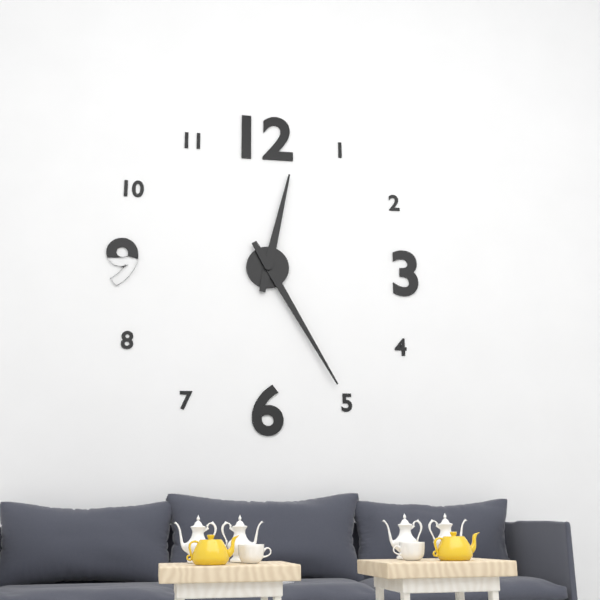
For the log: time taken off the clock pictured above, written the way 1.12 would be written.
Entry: 12.25
